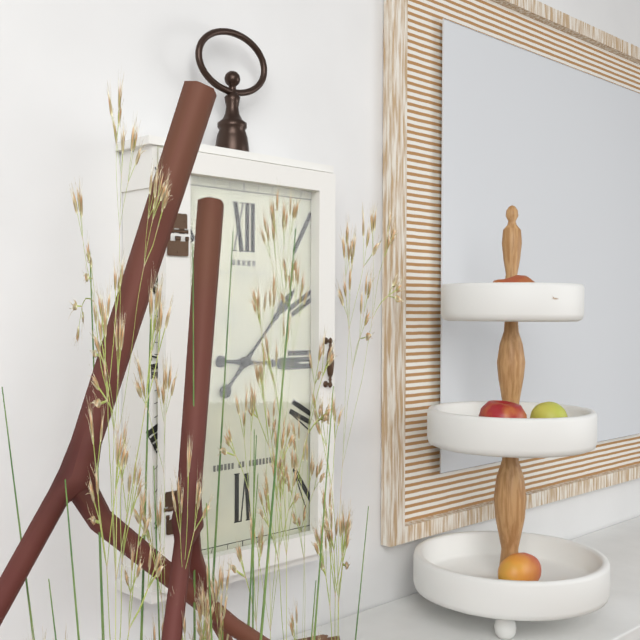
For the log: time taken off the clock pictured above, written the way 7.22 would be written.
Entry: 3.07
